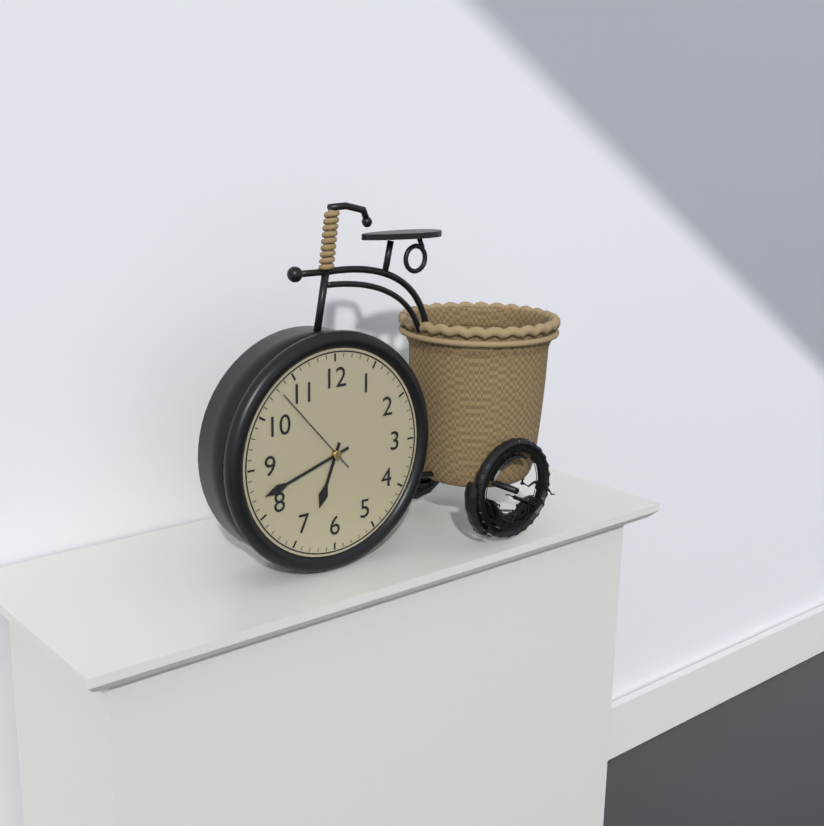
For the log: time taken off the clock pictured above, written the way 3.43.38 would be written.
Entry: 6.42.53
